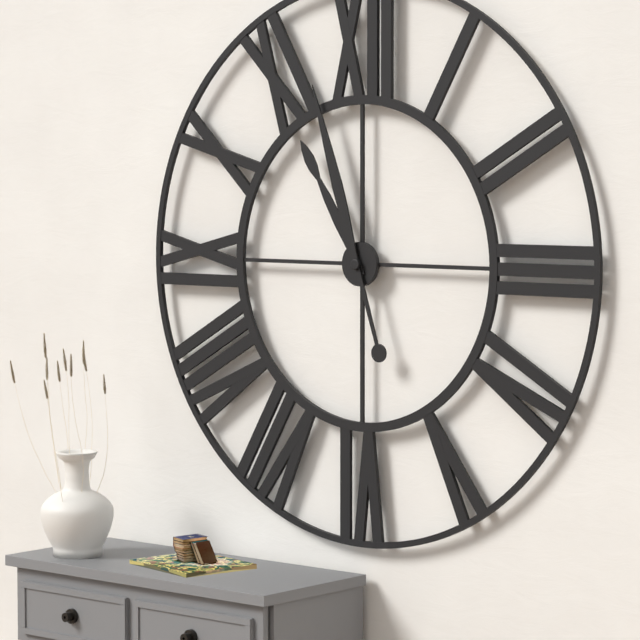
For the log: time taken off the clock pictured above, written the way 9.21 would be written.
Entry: 10.57
